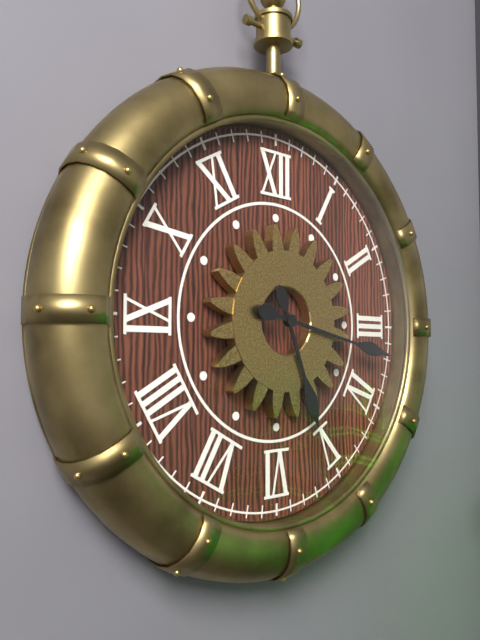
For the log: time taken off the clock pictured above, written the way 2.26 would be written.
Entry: 5.17
